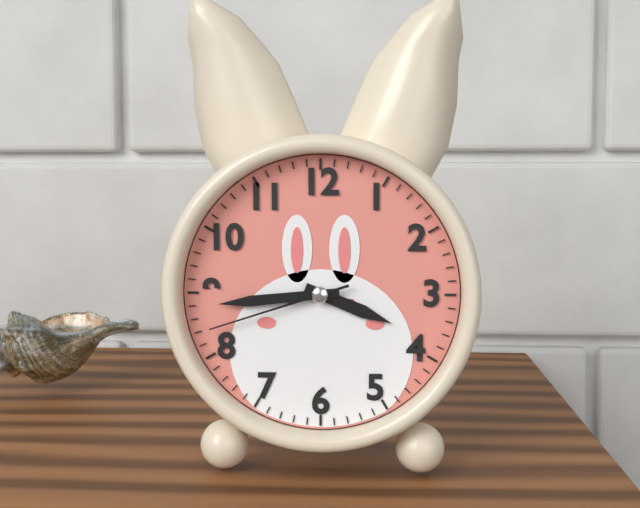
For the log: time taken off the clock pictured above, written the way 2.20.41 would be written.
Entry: 3.44.42
